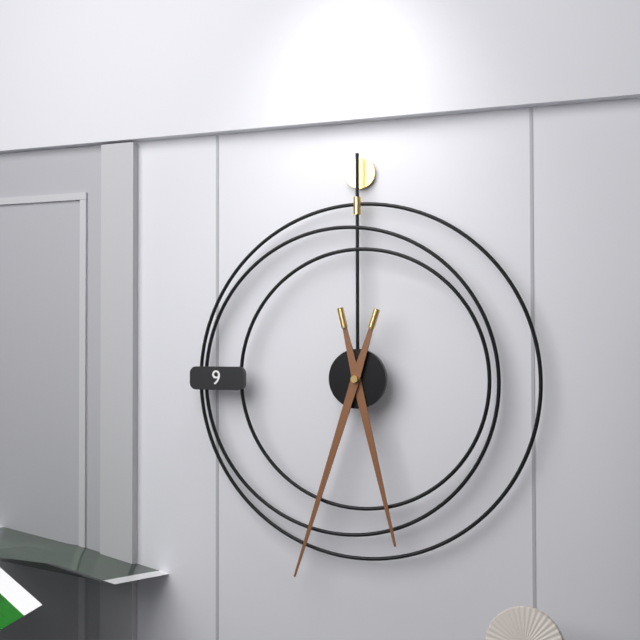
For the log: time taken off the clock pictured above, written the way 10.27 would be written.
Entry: 5.33
